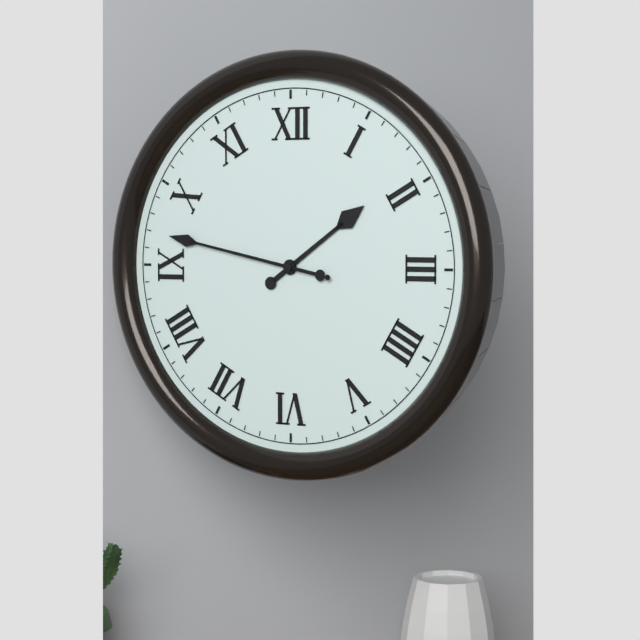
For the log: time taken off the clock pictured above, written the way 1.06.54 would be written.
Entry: 1.47.47
